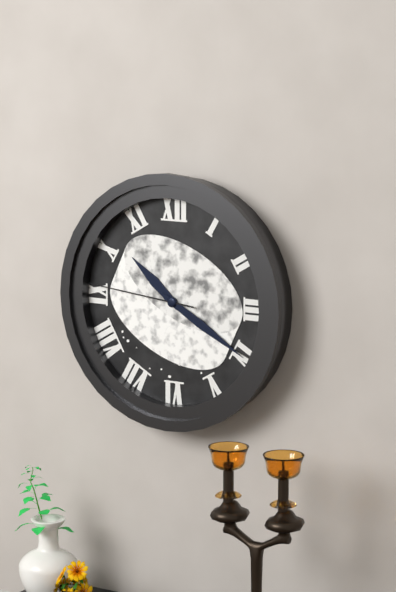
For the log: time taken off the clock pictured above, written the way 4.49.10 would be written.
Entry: 10.20.46
